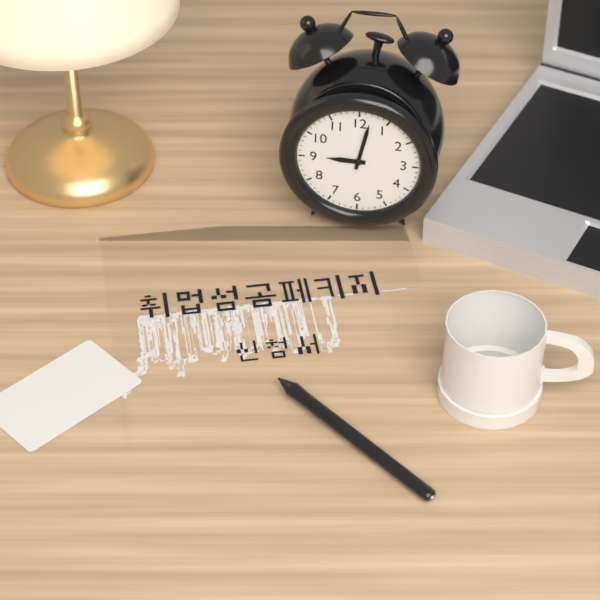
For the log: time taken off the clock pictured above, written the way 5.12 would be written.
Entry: 9.02
